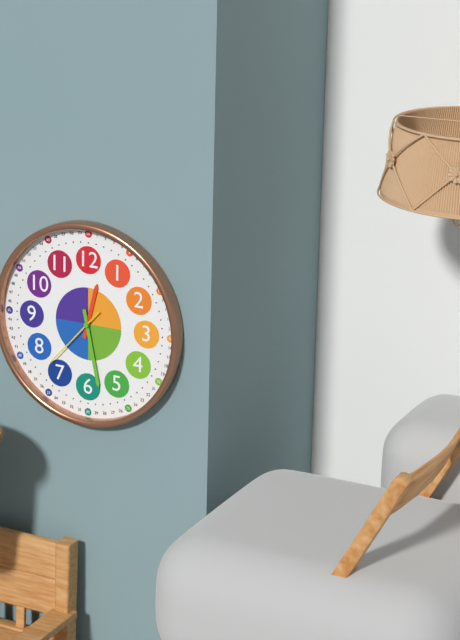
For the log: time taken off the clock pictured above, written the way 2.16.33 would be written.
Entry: 12.28.37
